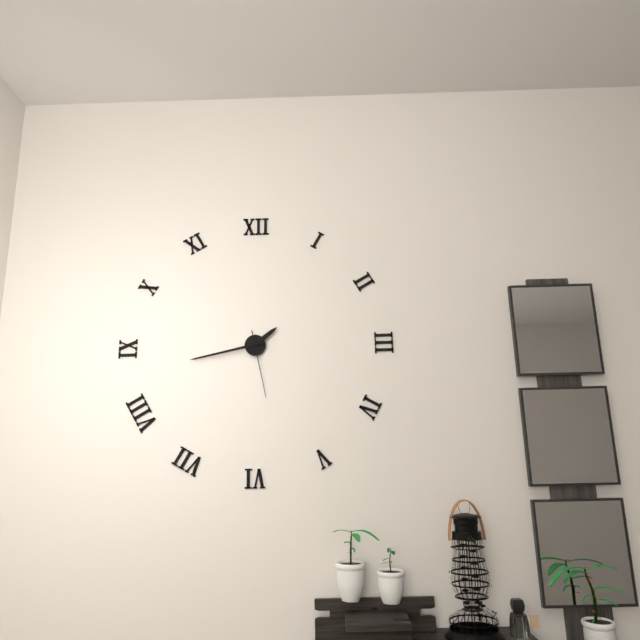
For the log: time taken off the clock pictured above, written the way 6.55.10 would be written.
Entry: 1.43.28
